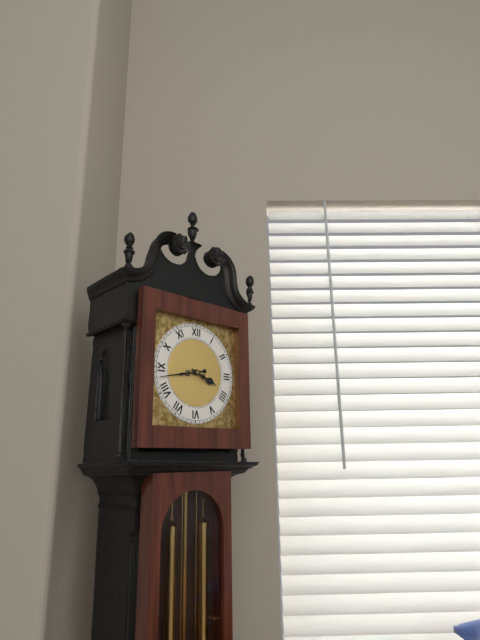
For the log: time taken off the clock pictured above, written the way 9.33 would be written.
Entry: 3.43
